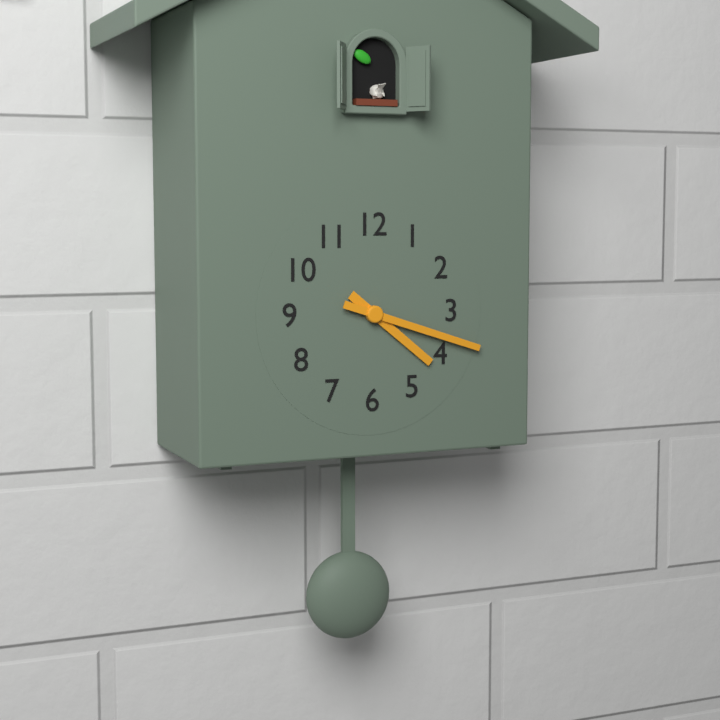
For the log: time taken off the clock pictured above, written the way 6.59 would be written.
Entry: 4.18
